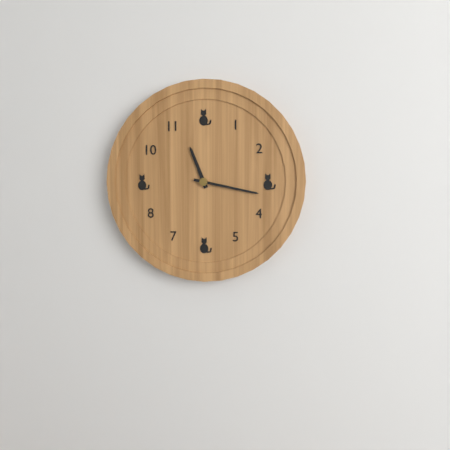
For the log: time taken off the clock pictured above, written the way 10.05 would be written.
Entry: 11.17
